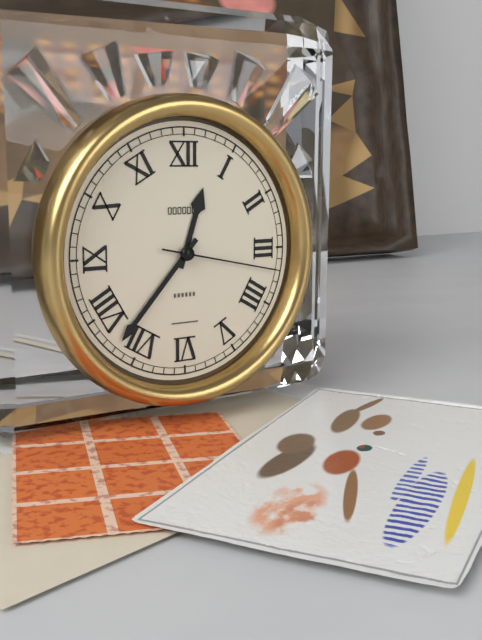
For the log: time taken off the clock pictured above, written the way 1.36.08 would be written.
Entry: 12.37.17
